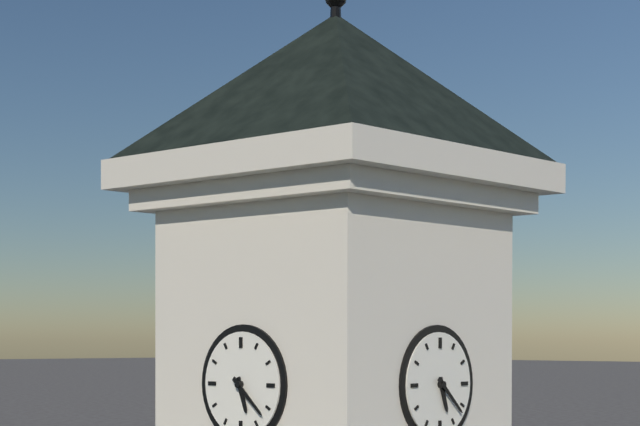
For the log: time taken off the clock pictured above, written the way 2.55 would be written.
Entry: 5.22
